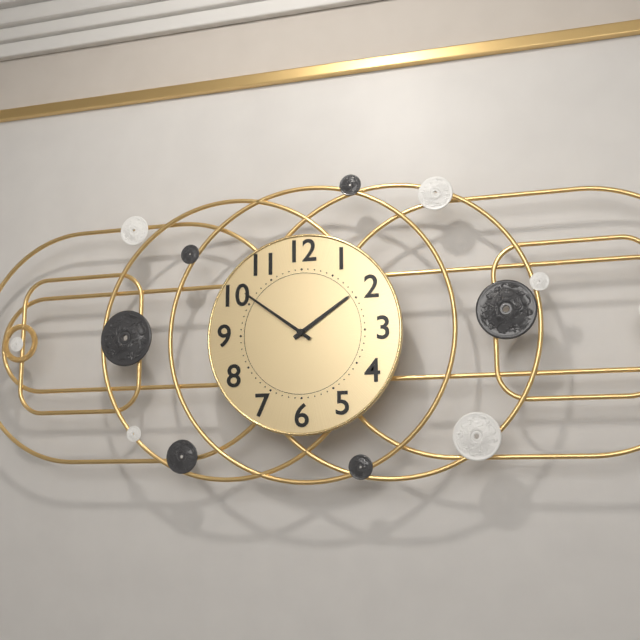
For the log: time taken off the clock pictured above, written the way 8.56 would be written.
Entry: 1.51
